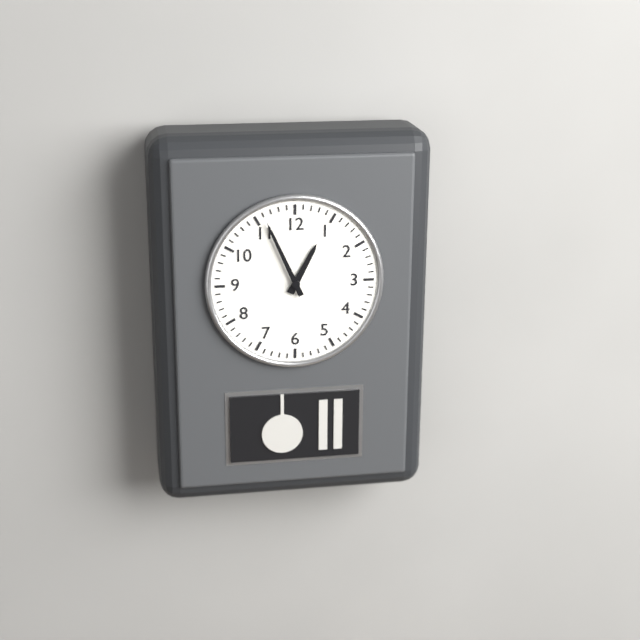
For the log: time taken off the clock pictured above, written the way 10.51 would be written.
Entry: 12.56
